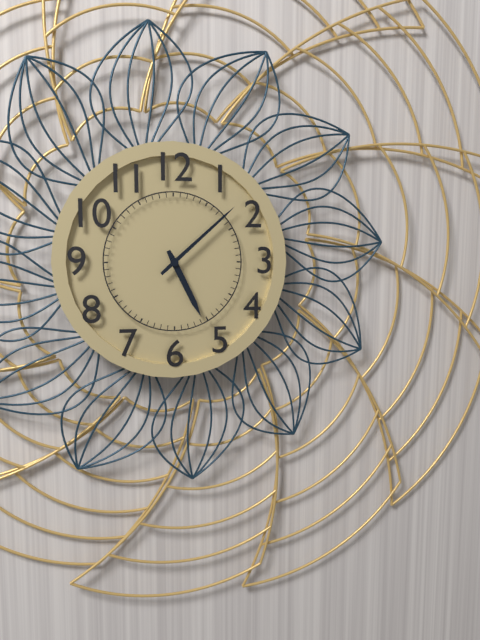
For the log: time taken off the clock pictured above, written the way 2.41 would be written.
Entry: 5.08
